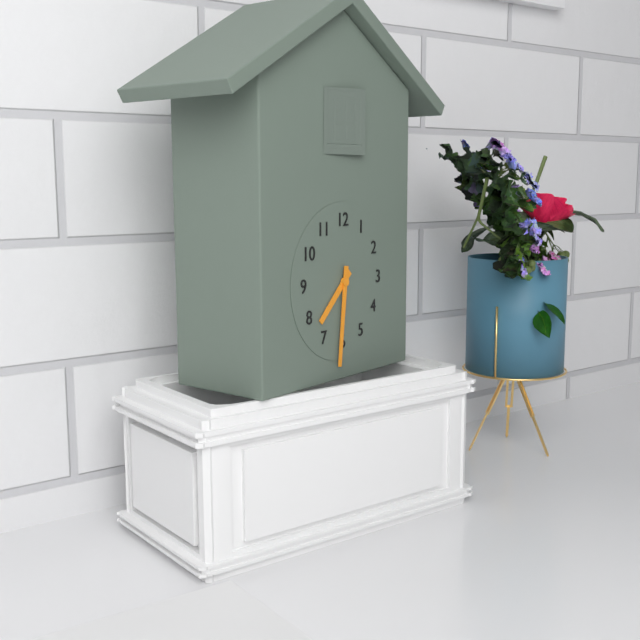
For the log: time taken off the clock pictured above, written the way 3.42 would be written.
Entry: 7.31
